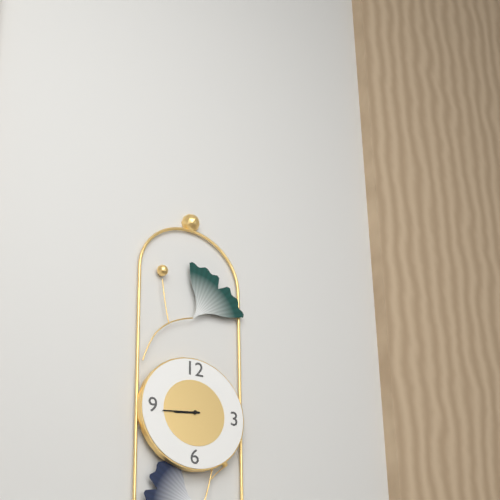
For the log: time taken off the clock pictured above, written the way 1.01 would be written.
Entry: 8.44
